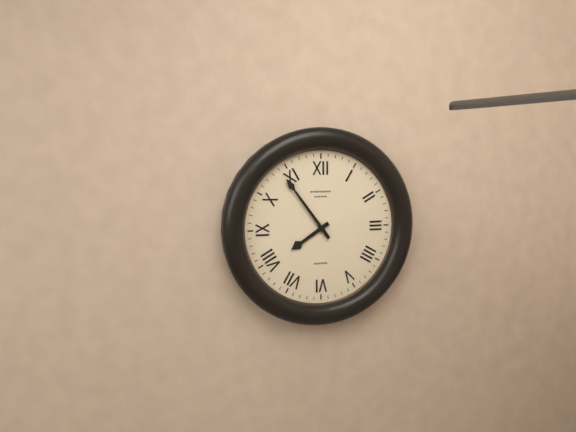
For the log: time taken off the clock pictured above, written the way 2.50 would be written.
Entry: 7.54
